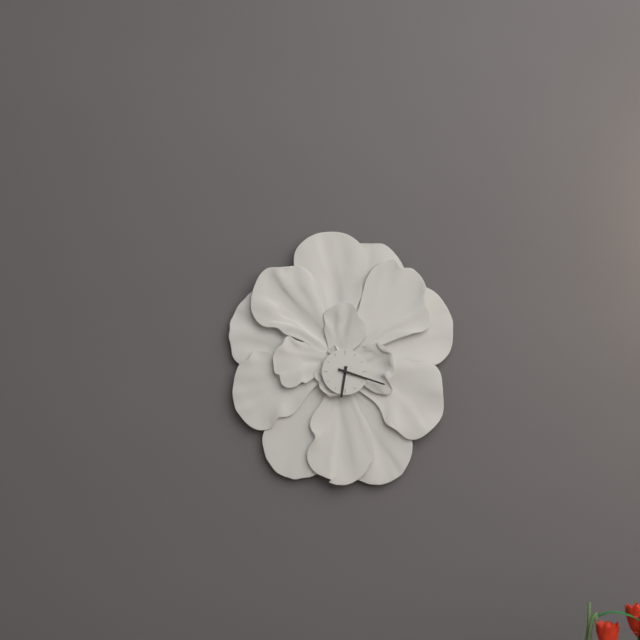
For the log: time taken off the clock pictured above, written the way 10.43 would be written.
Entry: 6.18
